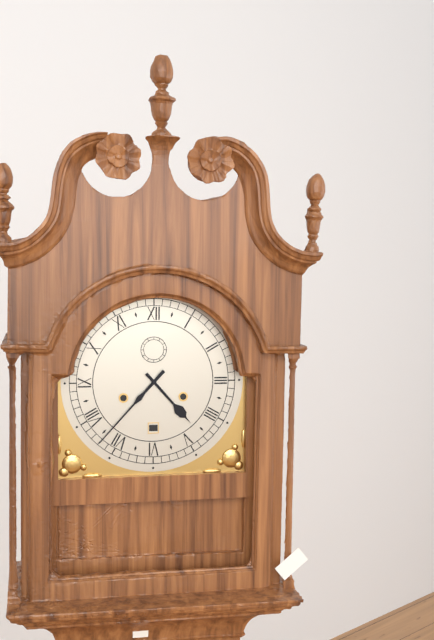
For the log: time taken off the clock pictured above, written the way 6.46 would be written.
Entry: 4.37
